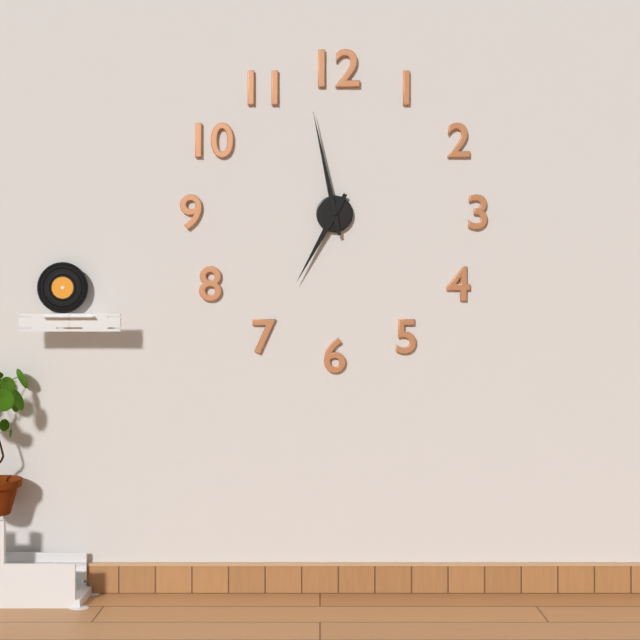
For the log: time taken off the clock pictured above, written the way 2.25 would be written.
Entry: 6.58
